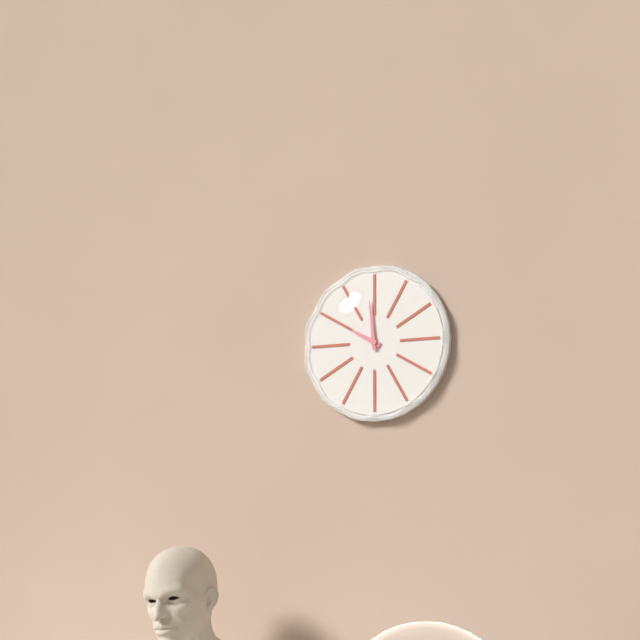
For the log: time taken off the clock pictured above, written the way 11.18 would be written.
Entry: 9.59
